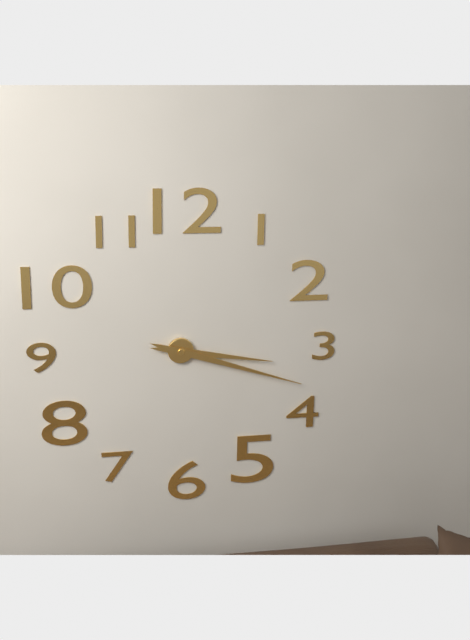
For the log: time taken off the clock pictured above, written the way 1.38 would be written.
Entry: 3.18
